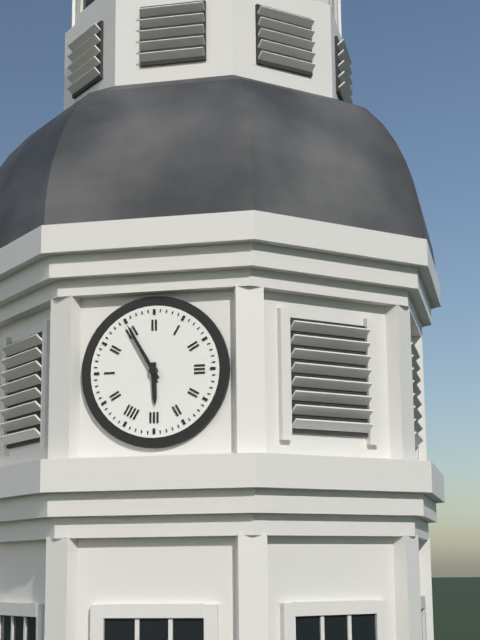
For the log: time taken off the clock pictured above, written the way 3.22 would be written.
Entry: 5.55
